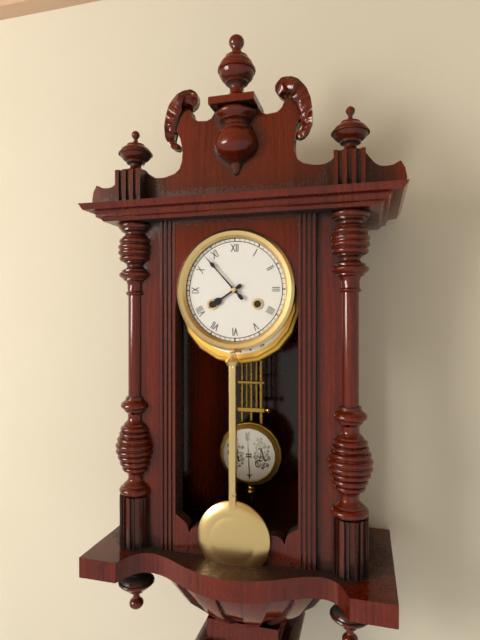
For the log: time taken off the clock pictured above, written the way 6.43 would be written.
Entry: 7.53
